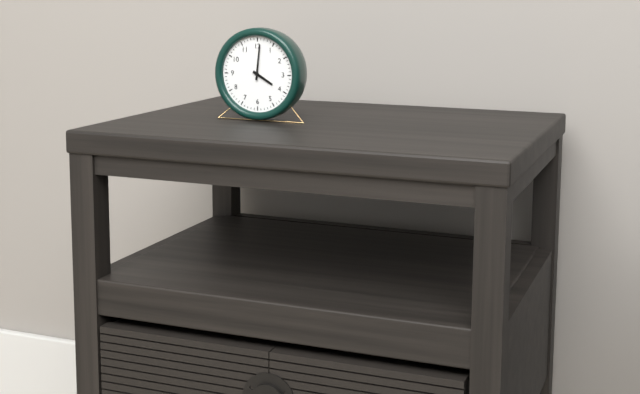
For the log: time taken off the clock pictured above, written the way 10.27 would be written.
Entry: 4.01
